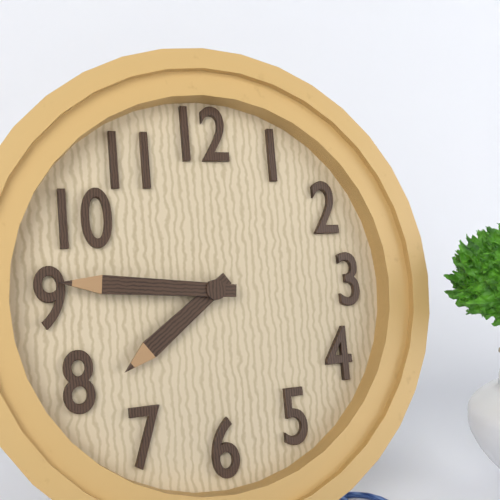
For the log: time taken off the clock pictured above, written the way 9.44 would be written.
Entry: 7.46
